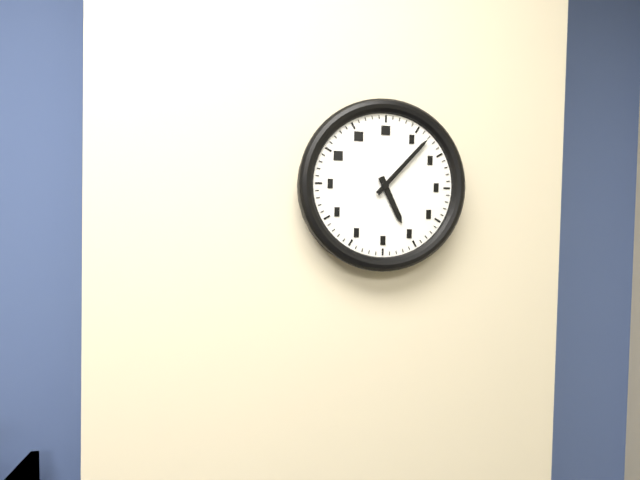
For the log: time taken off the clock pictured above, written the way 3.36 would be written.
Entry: 5.07
